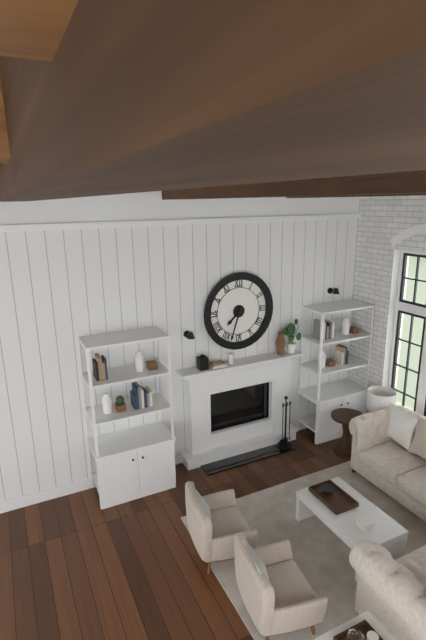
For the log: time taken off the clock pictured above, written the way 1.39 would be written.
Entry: 7.33
